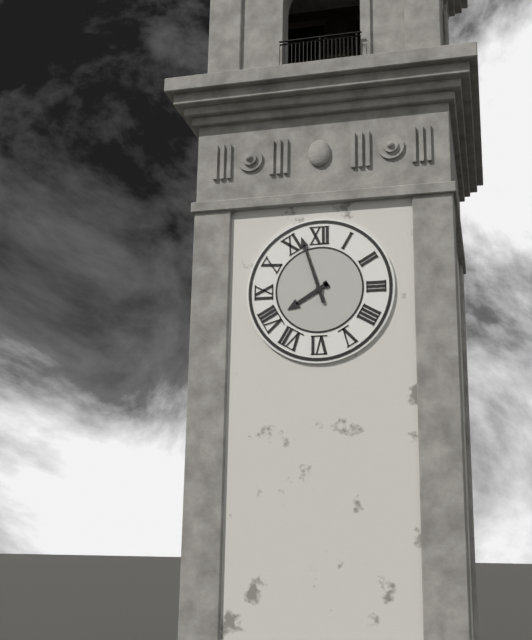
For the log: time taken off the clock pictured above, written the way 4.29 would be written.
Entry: 7.57
